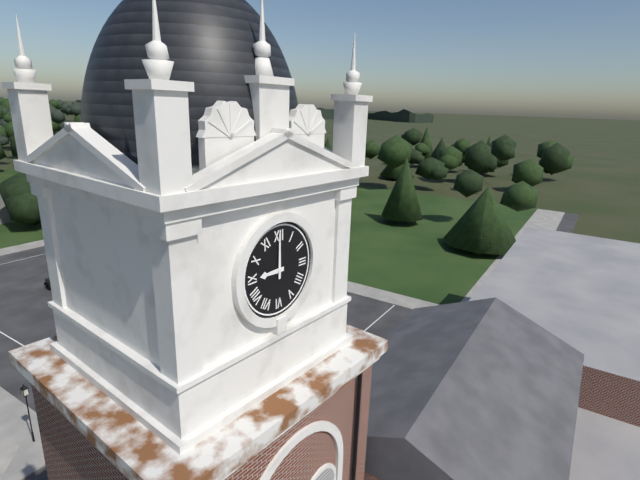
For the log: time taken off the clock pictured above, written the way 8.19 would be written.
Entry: 9.00
